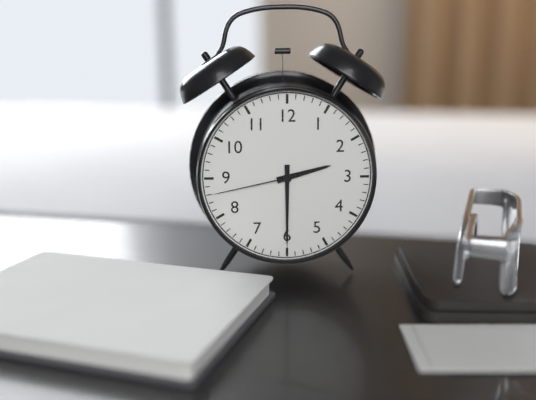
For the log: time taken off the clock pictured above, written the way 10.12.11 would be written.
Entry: 2.30.43
